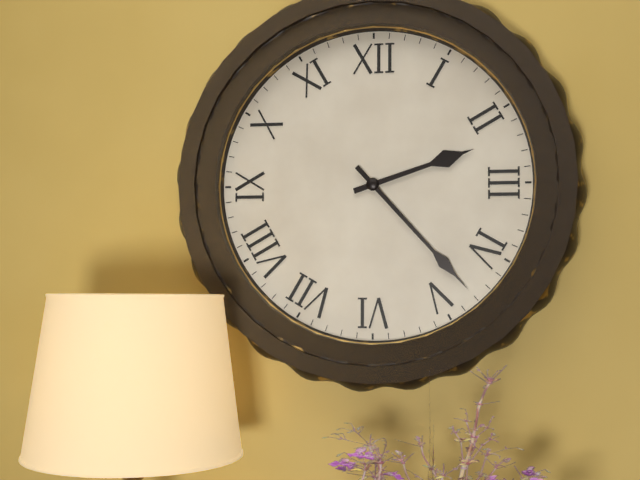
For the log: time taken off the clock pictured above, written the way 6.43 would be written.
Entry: 2.23
